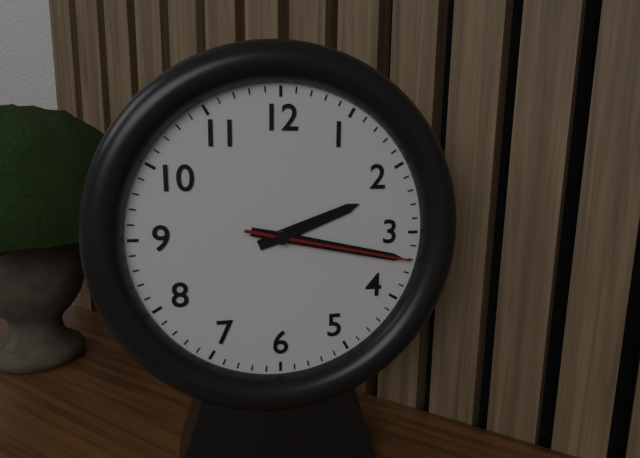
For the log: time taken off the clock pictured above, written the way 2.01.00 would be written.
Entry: 2.17.17
